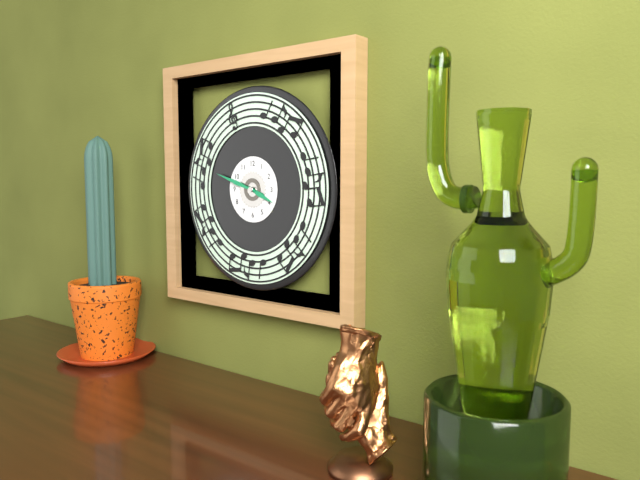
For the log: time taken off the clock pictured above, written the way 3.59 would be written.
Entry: 3.48
